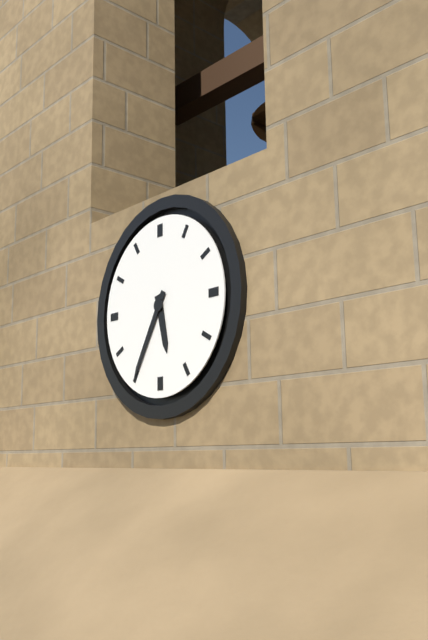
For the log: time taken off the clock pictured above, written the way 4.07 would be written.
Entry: 5.35
